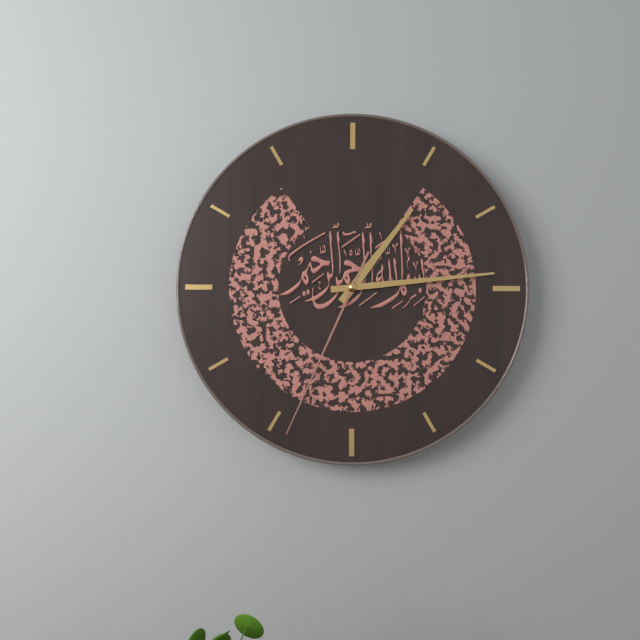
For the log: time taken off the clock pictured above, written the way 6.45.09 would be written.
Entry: 1.14.34
